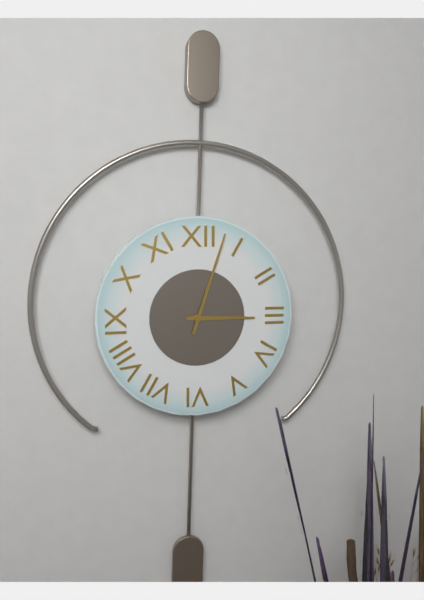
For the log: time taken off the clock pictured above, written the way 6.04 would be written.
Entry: 3.03
